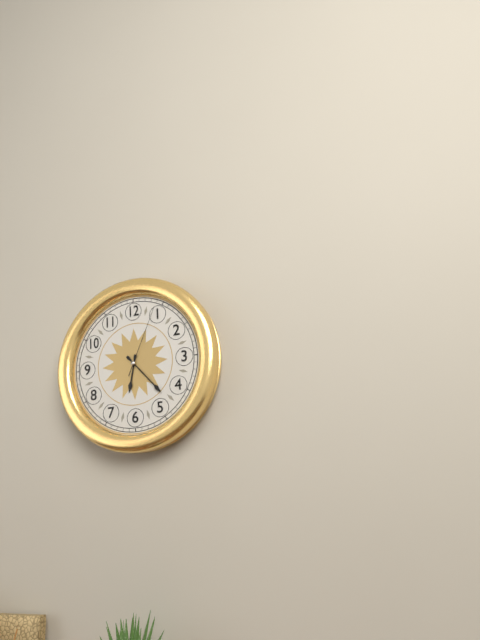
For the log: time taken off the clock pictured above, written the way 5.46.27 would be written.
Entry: 6.23.04
